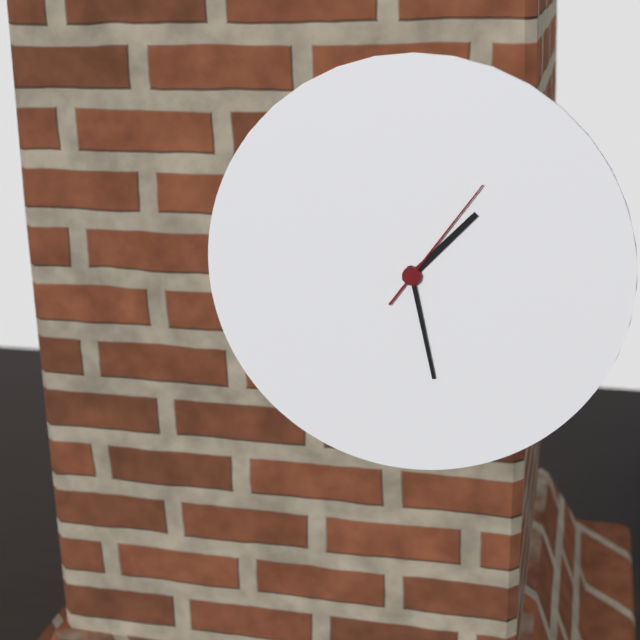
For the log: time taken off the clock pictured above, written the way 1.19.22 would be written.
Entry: 1.28.06
